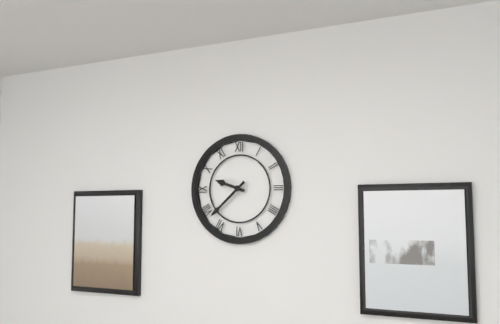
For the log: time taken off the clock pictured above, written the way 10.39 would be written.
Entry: 9.38
